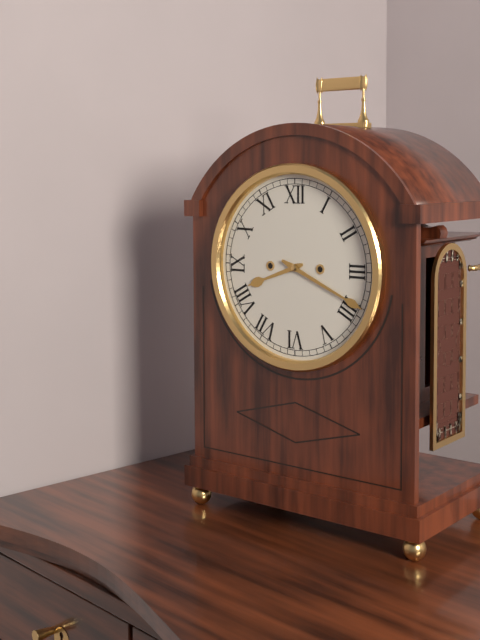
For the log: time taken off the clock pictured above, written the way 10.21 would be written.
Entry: 8.19
